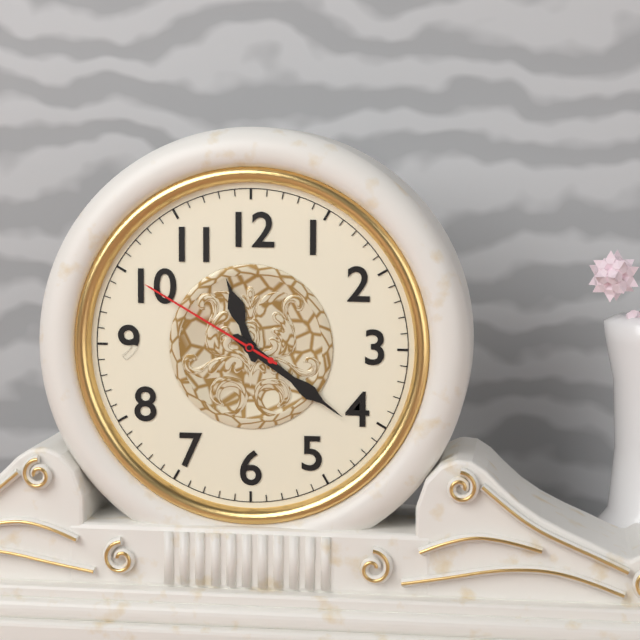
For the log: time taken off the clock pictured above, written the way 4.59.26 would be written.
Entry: 11.21.50
